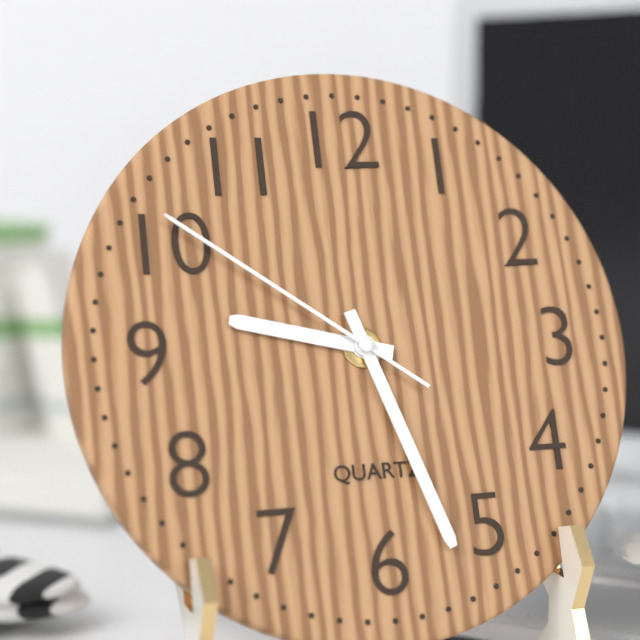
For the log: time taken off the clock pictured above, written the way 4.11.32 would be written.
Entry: 9.27.51
